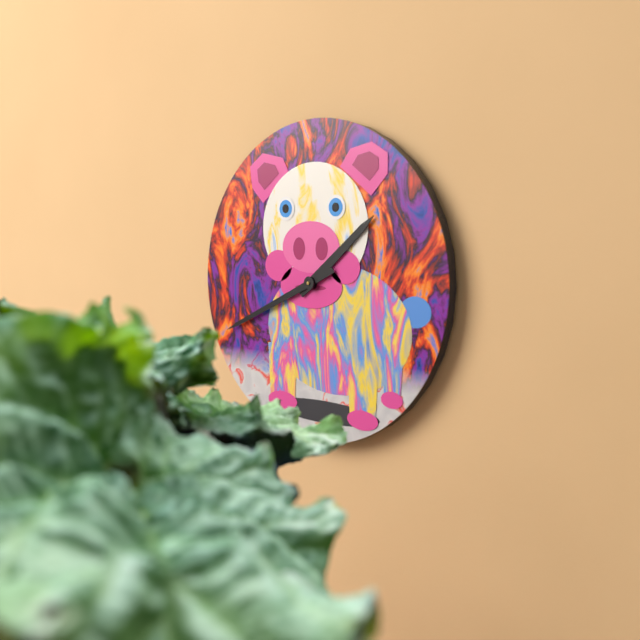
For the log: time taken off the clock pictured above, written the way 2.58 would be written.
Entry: 1.41
